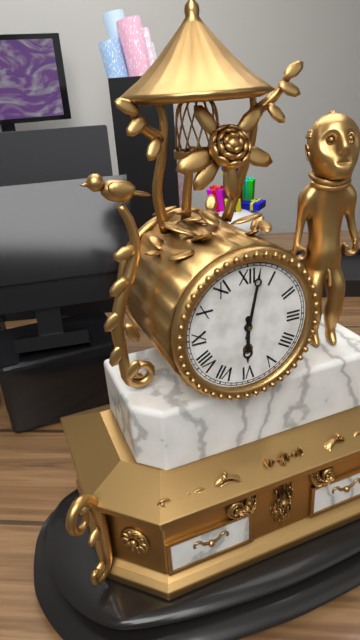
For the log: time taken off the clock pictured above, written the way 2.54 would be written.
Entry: 6.02
